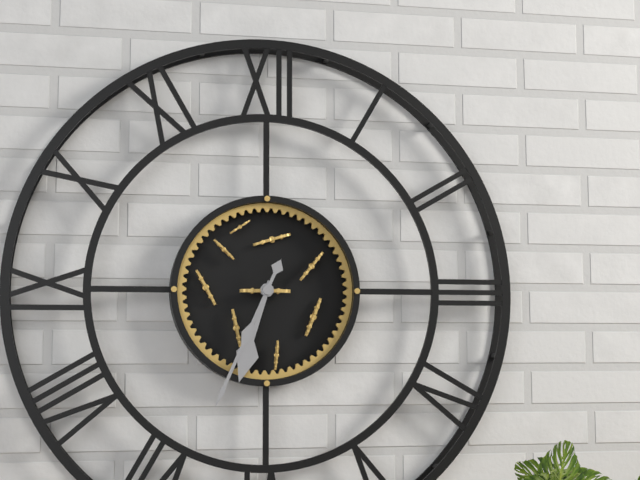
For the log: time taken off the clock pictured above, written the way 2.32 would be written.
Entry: 6.34
